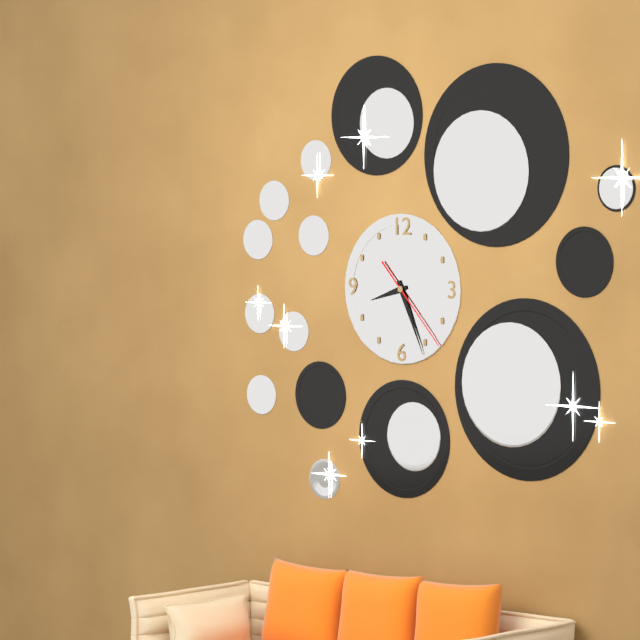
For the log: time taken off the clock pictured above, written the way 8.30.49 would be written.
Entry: 8.26.23
